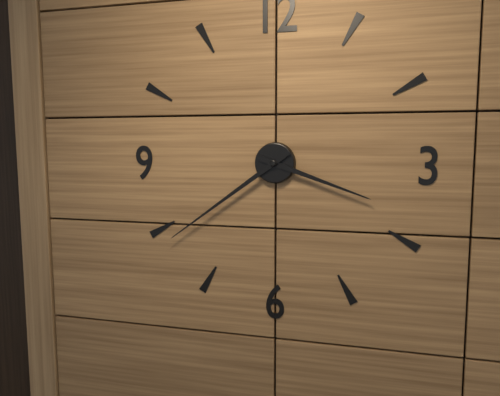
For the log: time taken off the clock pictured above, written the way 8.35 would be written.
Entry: 3.39
